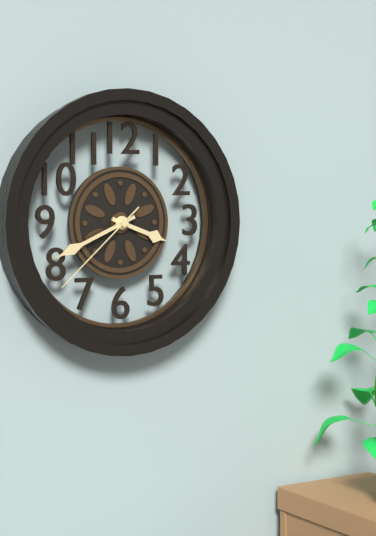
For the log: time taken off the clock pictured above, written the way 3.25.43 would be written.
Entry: 3.41.38
